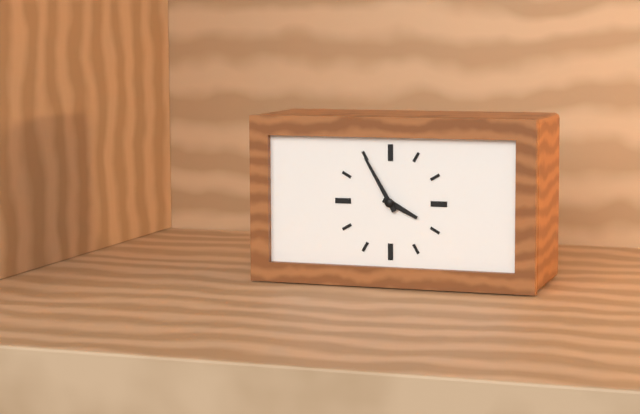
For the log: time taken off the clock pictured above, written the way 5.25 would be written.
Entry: 3.55
